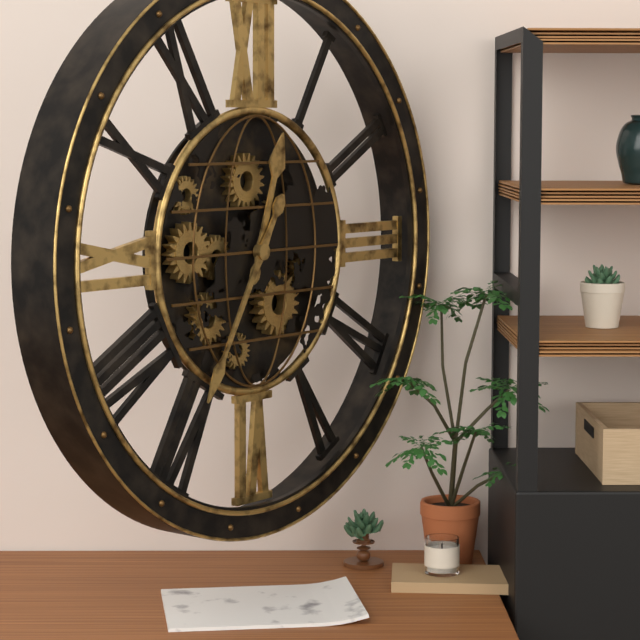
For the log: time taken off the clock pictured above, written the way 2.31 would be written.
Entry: 12.35
